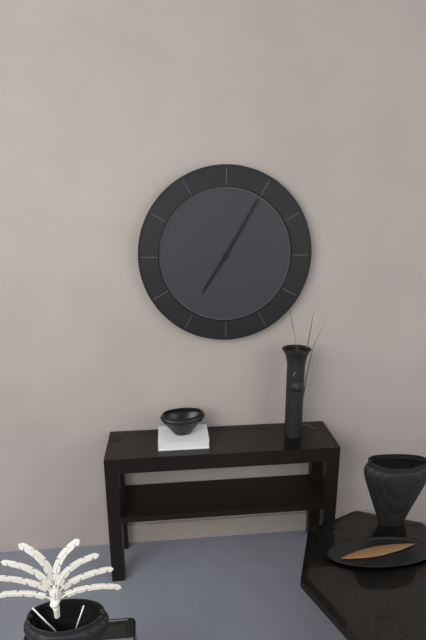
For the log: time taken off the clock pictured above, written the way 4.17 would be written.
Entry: 7.05
